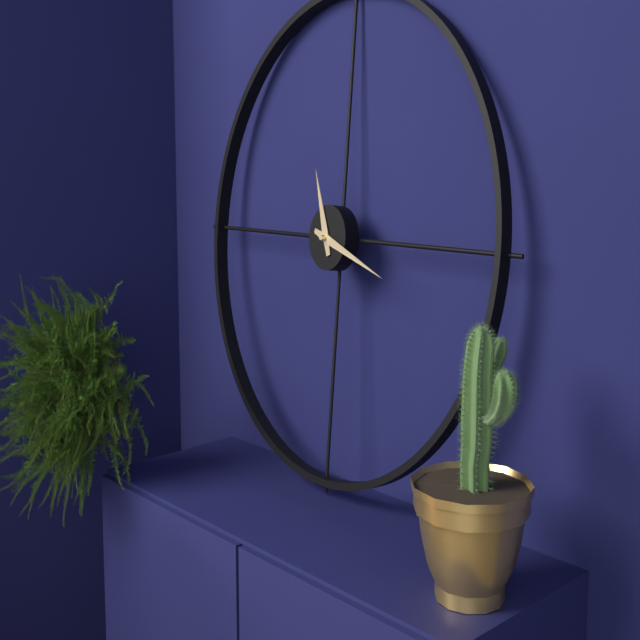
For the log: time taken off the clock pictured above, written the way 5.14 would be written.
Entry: 11.18
